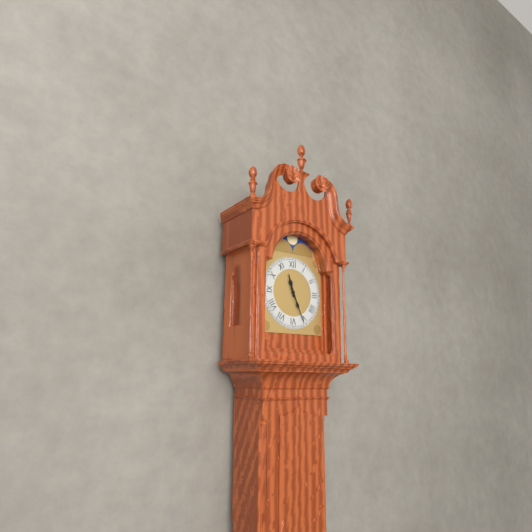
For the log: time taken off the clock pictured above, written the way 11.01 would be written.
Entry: 11.26
